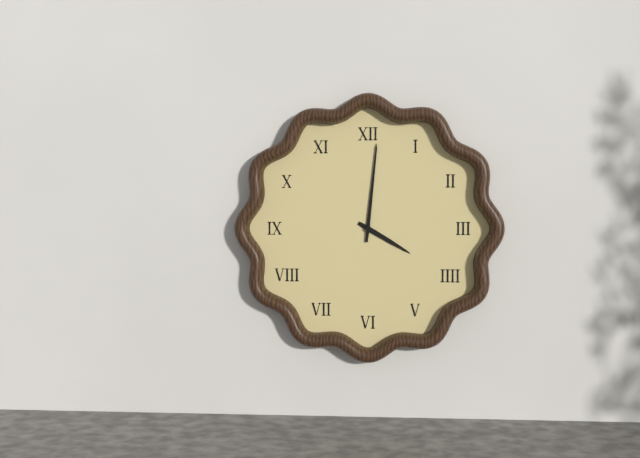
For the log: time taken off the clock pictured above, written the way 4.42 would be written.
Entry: 4.01
